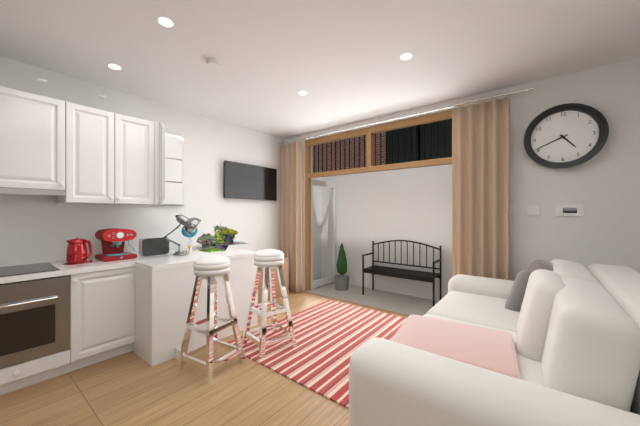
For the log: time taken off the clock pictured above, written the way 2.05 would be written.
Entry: 4.41
